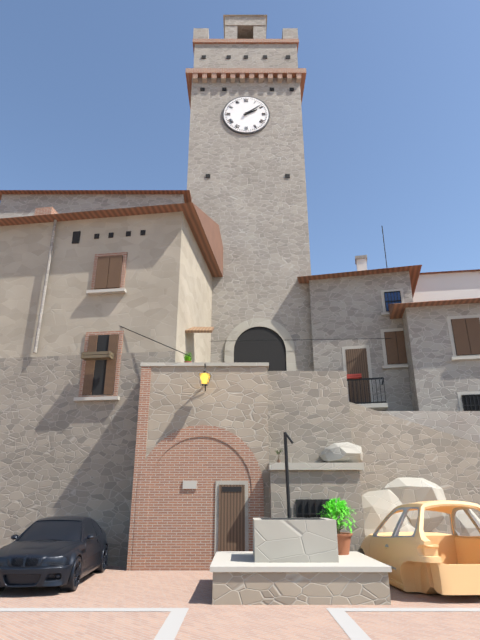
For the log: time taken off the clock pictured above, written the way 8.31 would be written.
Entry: 2.09
